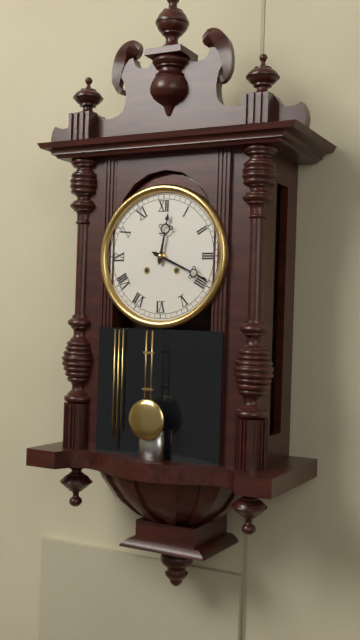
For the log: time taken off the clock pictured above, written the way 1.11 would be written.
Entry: 12.19
